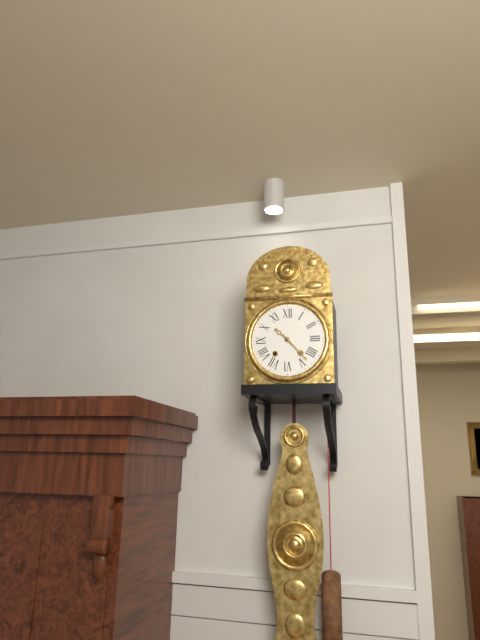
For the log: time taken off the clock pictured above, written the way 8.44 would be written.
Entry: 10.23
